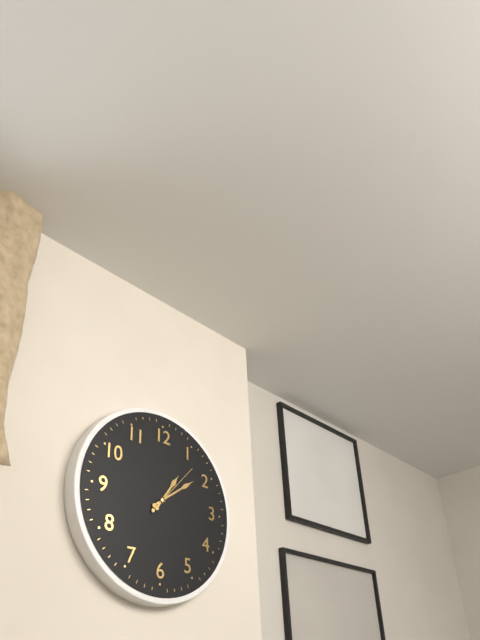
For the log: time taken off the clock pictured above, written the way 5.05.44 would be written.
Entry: 1.09.07
